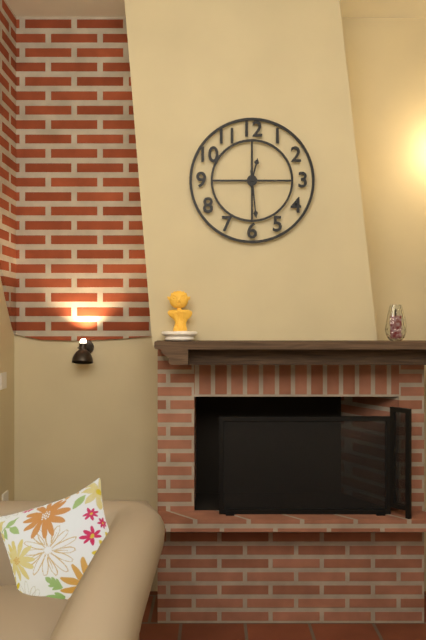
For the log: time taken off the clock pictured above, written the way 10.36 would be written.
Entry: 12.29
